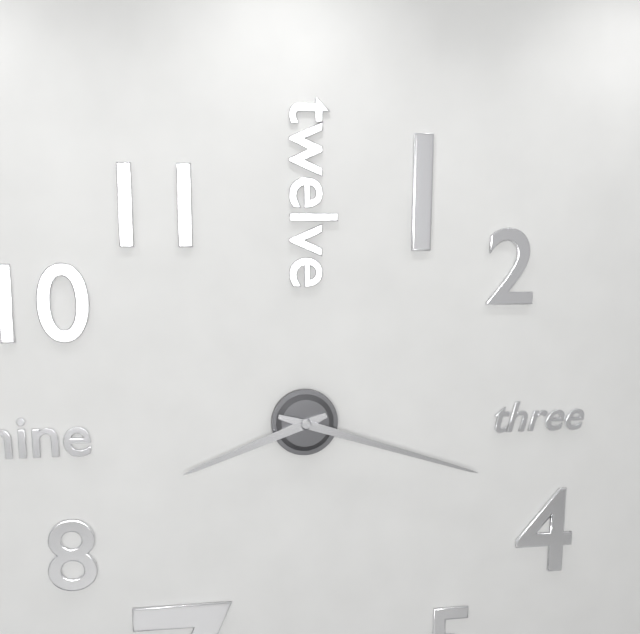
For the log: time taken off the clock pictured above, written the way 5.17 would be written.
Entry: 8.18
